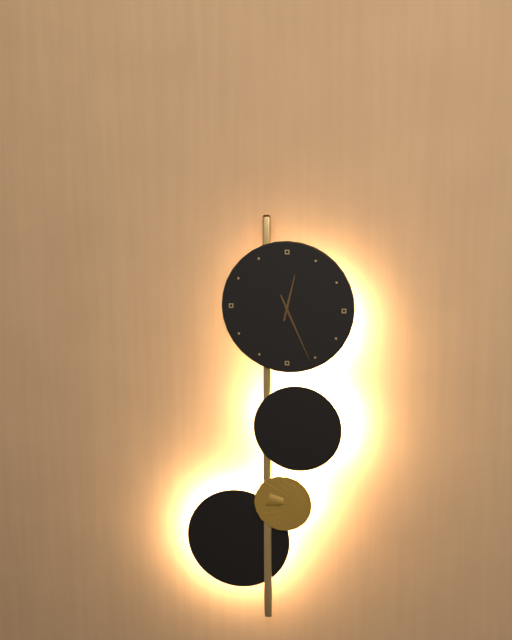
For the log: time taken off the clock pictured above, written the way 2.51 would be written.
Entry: 12.26
